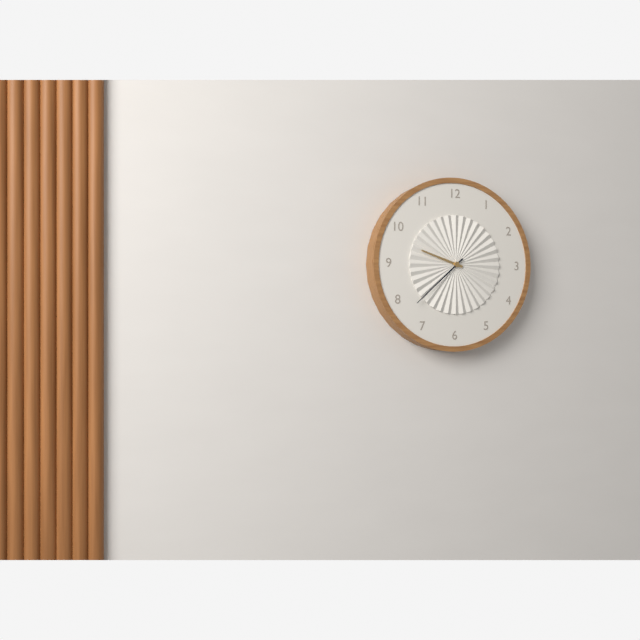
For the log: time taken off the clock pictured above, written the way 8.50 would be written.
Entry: 9.38
